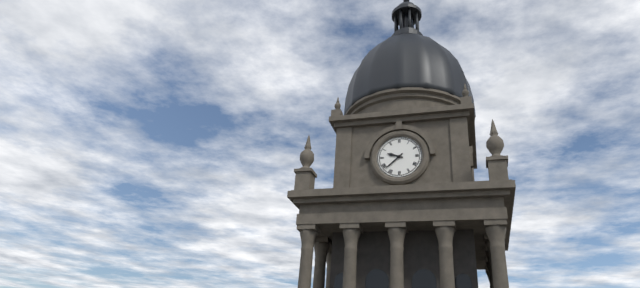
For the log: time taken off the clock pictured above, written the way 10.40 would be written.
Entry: 9.38
